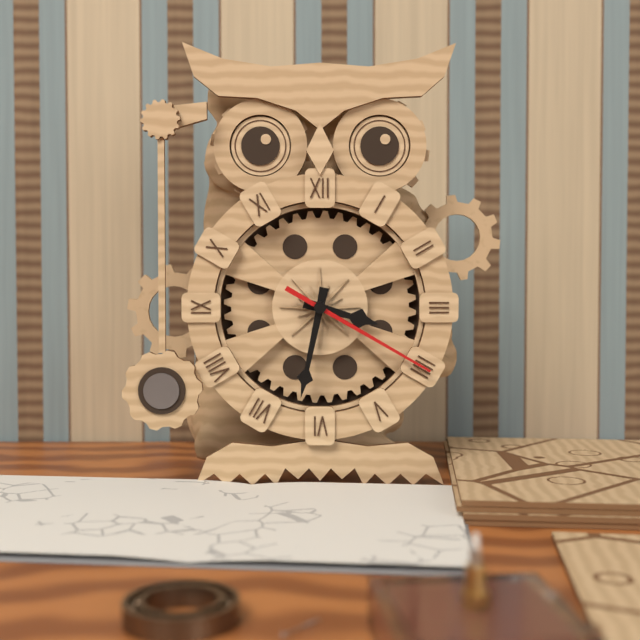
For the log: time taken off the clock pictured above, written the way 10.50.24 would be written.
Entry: 3.32.20
